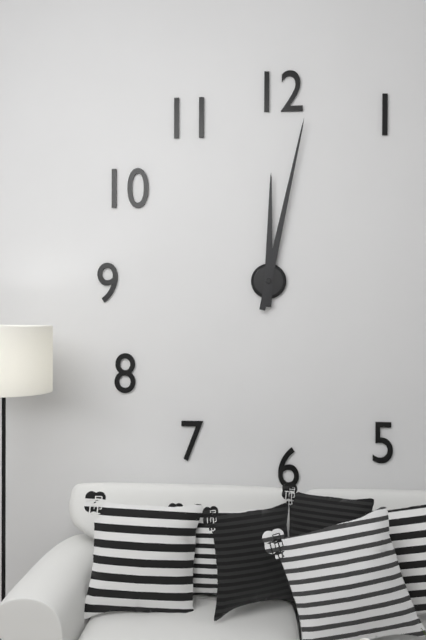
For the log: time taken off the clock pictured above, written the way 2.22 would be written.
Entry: 12.02
